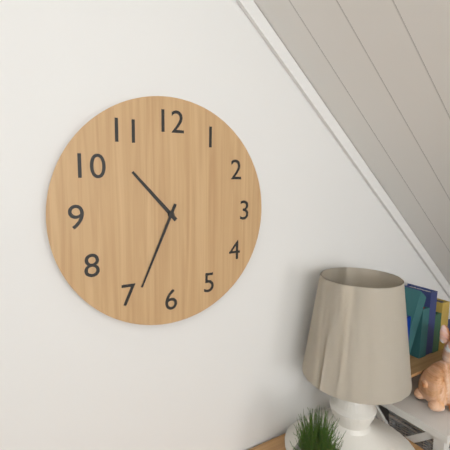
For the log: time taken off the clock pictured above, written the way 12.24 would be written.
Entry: 10.34
